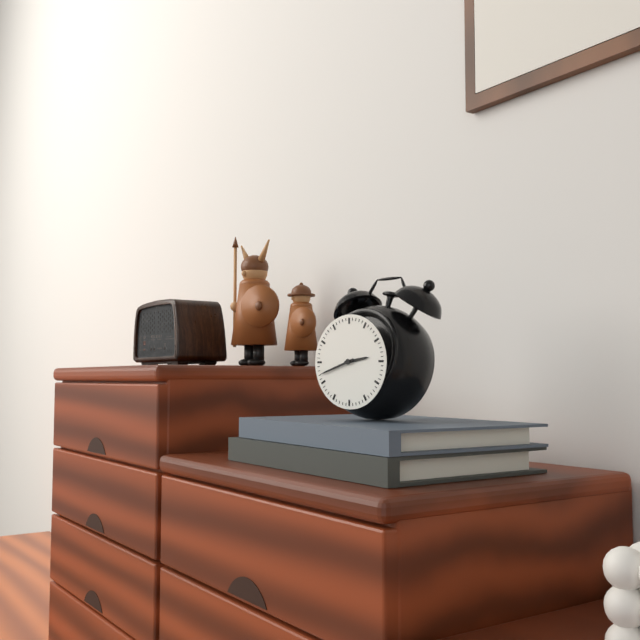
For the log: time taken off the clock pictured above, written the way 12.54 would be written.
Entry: 2.42
